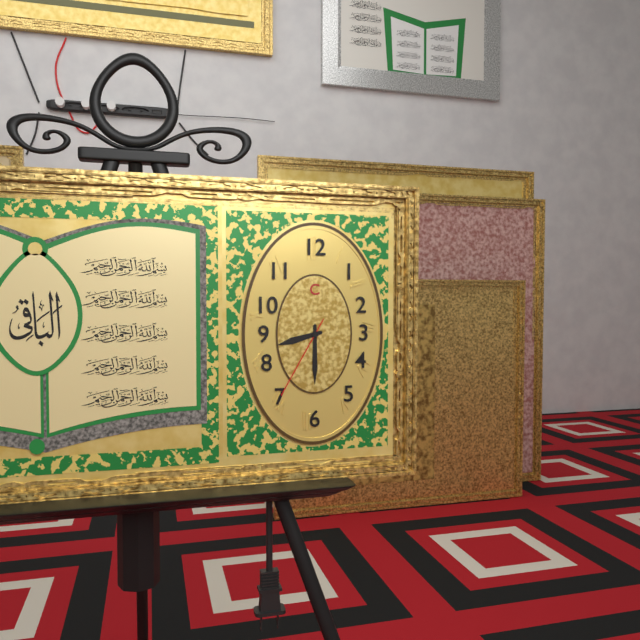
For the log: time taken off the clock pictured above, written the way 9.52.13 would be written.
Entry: 8.30.35
